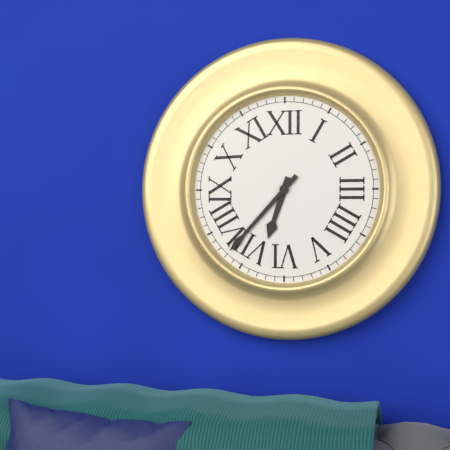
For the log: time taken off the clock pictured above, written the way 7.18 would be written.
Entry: 6.37
